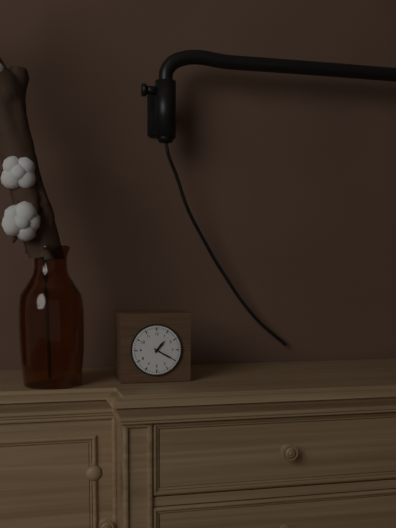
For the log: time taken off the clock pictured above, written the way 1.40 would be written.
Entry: 1.20
